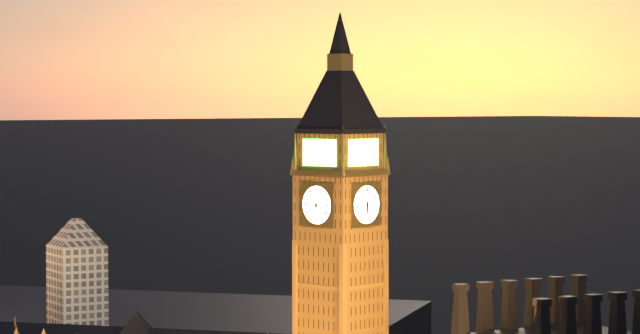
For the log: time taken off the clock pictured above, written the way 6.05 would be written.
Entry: 6.00
